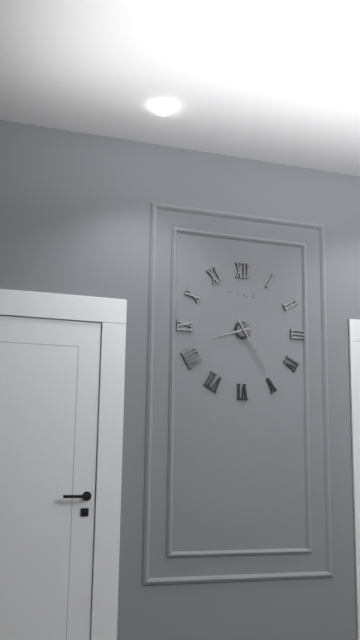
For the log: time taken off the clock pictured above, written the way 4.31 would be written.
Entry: 8.25
